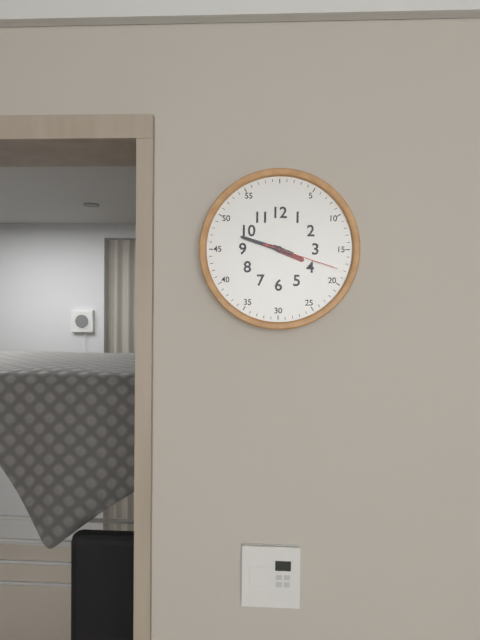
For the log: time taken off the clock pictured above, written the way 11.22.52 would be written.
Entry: 3.48.18
